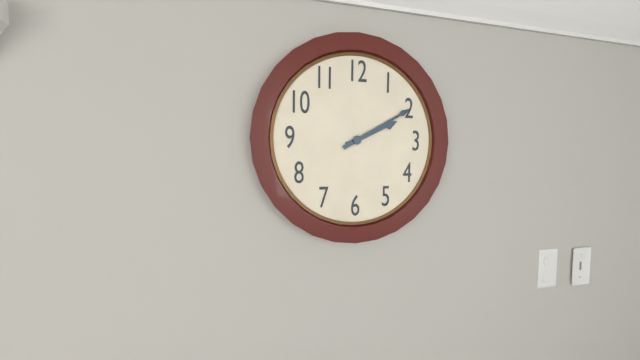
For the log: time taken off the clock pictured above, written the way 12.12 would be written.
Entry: 2.10
